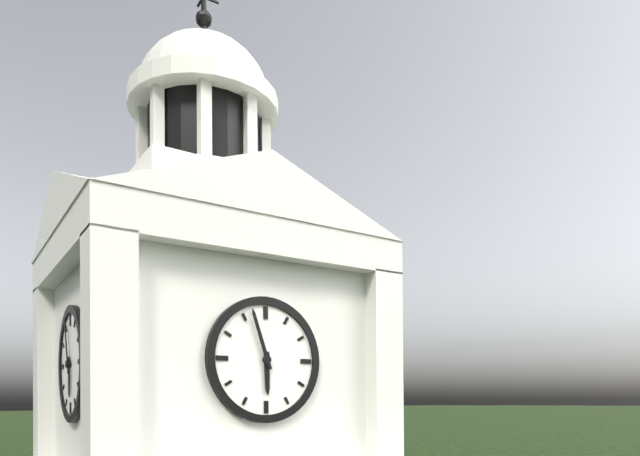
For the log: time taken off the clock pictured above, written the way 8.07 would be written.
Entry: 5.57
